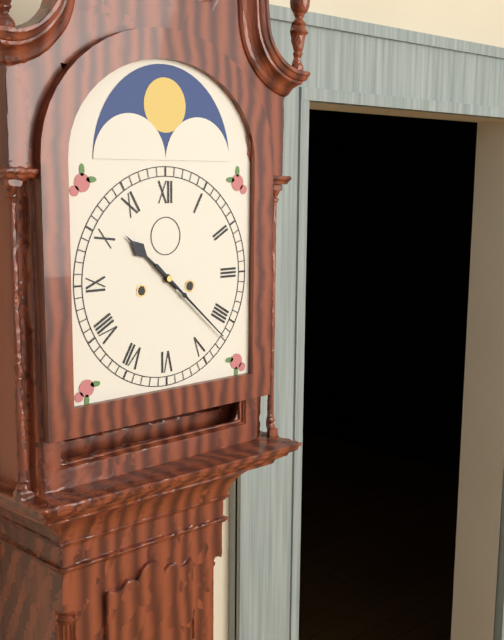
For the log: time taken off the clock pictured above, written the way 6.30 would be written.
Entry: 10.22
